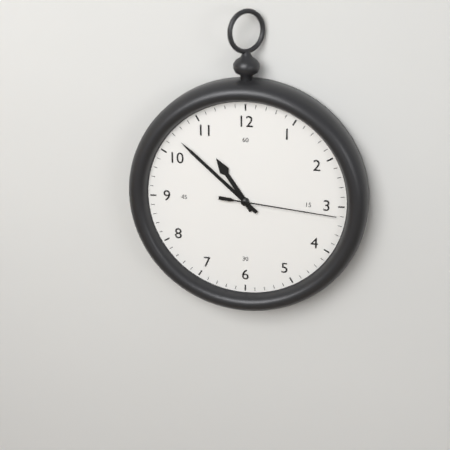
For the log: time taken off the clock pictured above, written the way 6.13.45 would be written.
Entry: 10.52.16
